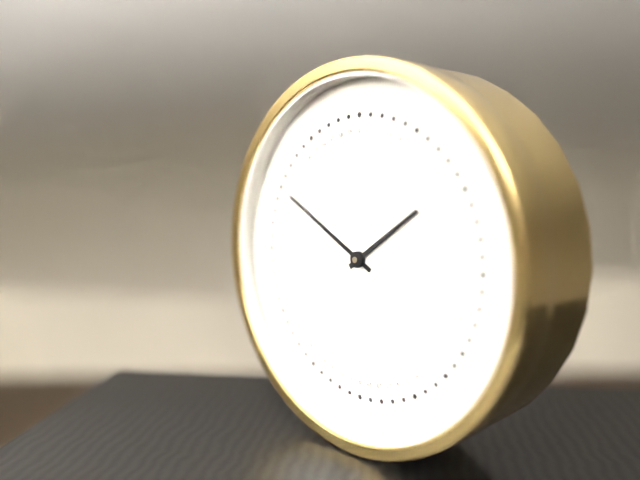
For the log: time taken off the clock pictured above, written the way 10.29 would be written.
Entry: 1.50
